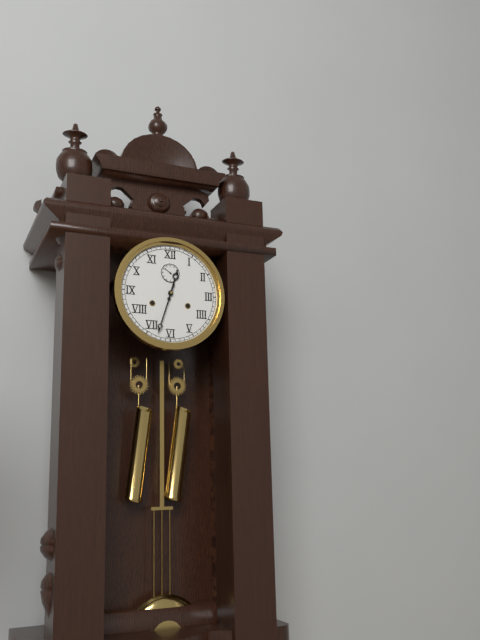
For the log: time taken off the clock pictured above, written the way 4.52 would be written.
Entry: 12.33
